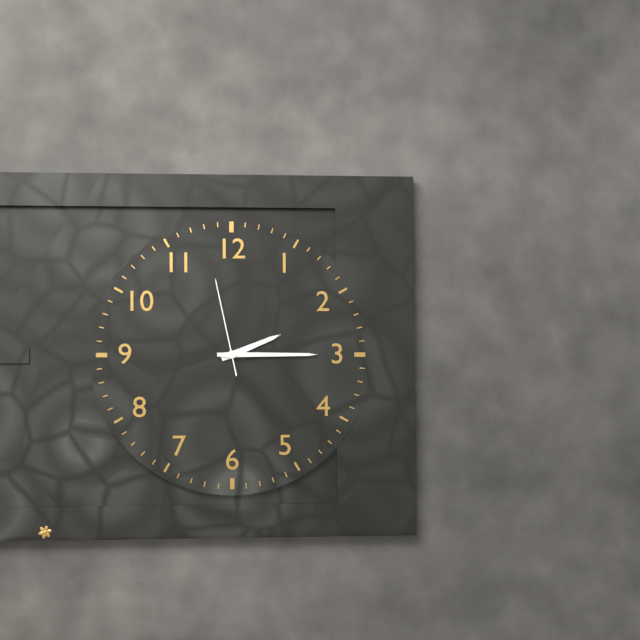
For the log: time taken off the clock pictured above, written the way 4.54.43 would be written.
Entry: 2.15.58
